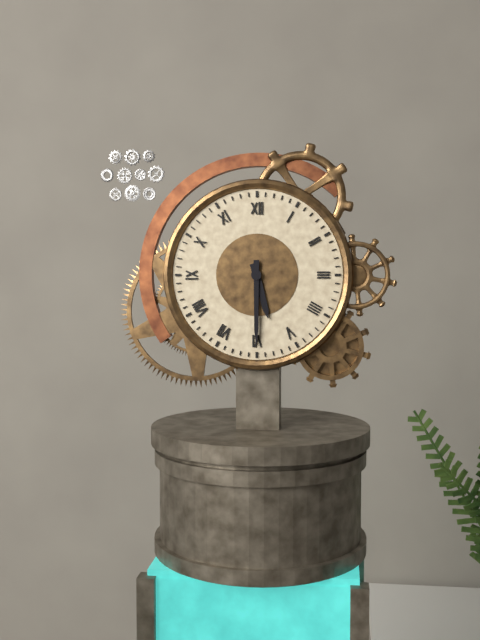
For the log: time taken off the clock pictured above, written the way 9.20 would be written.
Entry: 5.30
